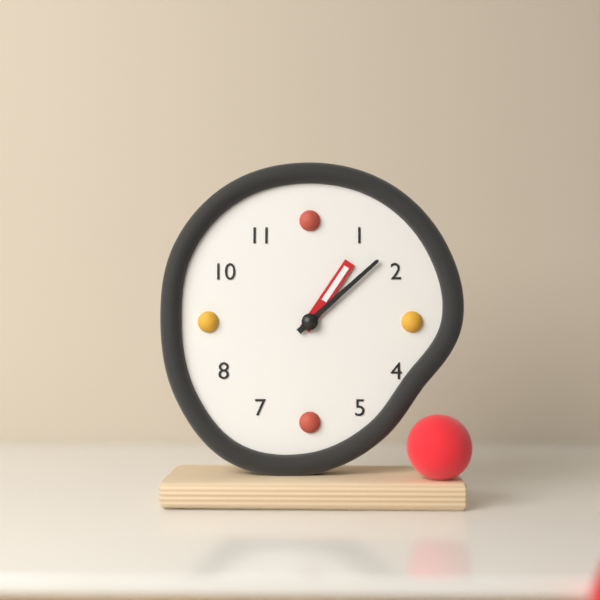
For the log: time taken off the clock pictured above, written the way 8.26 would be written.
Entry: 1.08
